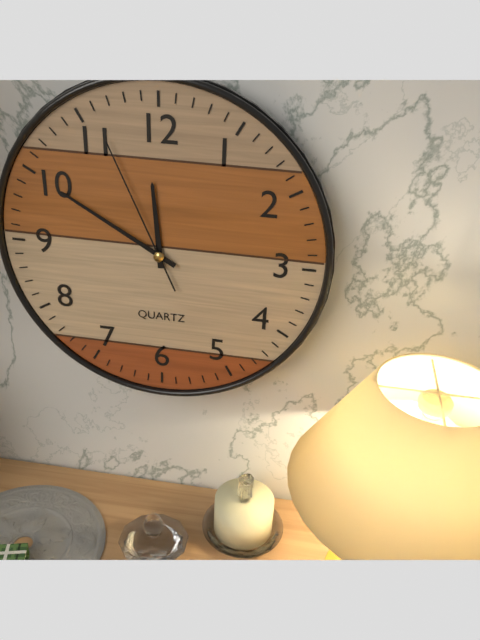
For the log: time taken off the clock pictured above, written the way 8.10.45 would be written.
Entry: 11.50.56
